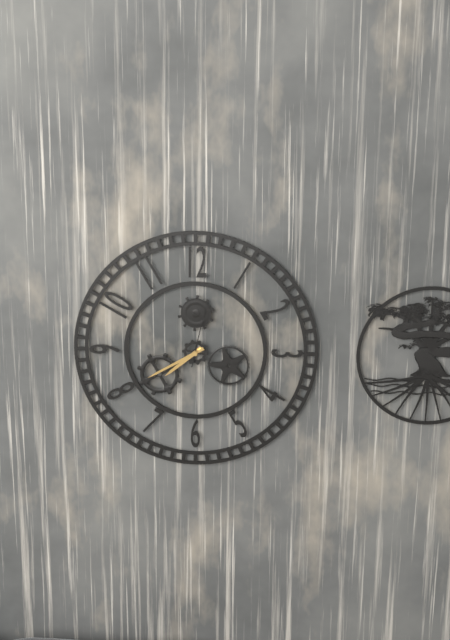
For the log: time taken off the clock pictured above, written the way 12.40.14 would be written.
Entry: 7.40.02
